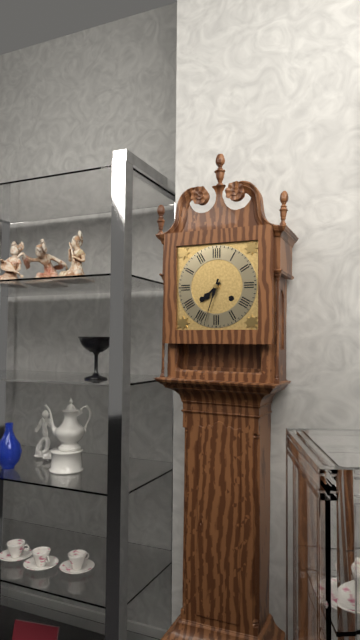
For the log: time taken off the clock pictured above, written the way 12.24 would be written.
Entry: 7.33
